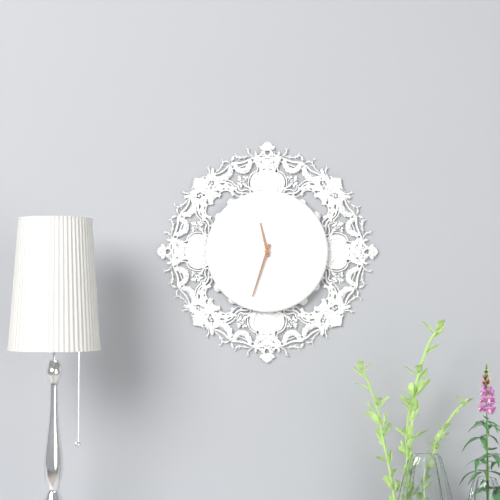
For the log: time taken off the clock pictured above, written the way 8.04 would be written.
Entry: 11.33
